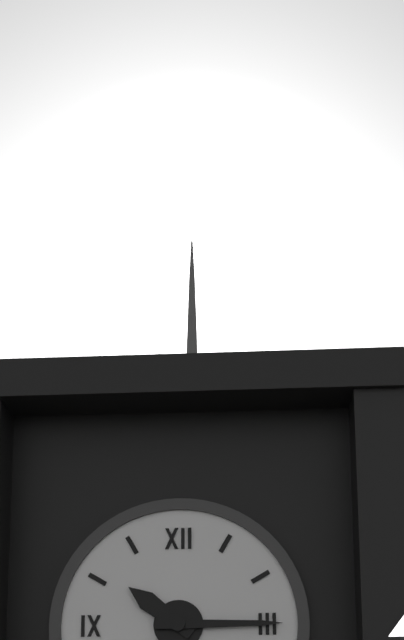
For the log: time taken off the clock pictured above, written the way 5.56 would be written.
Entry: 10.15
